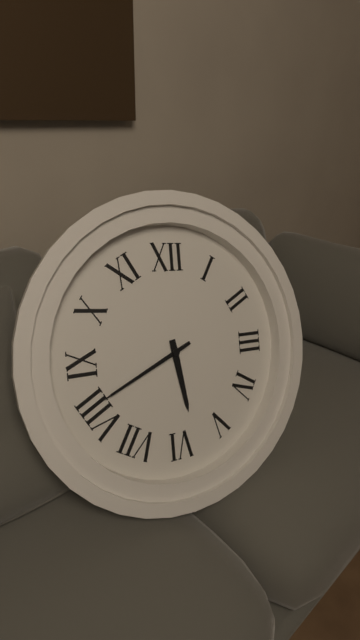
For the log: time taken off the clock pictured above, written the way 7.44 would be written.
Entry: 5.41
